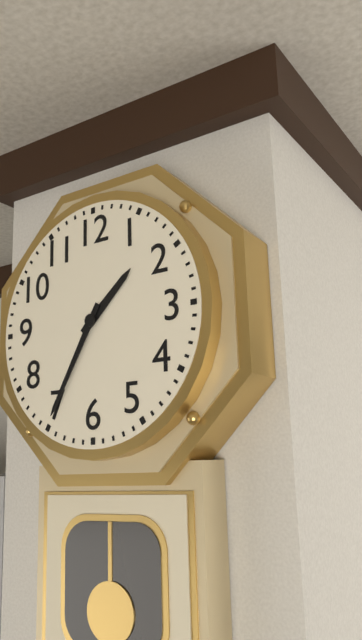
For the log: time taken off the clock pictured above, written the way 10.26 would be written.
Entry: 1.35
